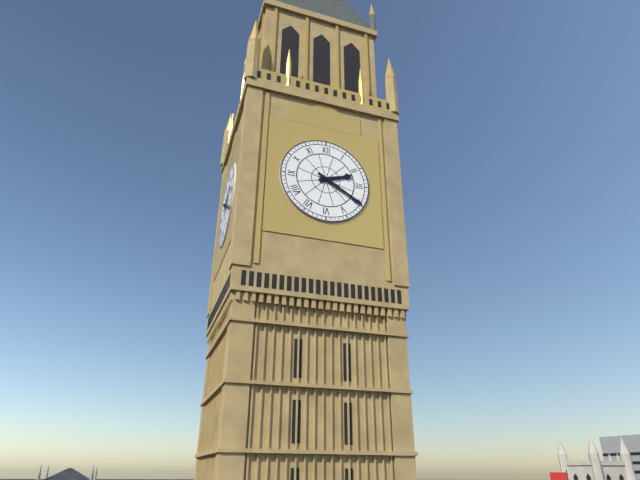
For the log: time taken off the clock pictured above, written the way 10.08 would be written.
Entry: 2.20
